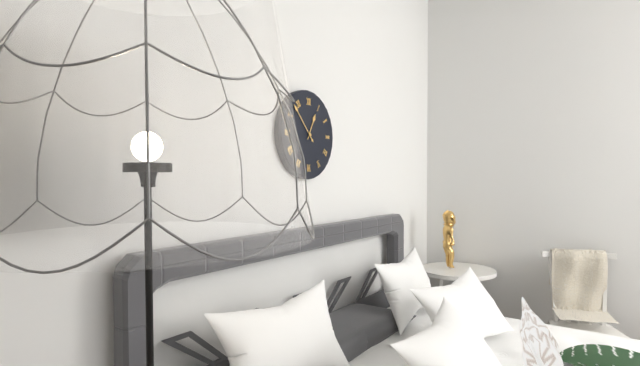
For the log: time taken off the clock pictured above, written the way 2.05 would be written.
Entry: 12.53
